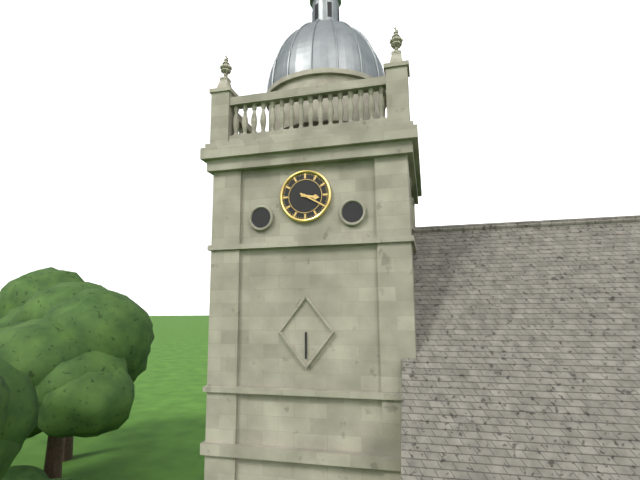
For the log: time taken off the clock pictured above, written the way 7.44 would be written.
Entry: 3.20
